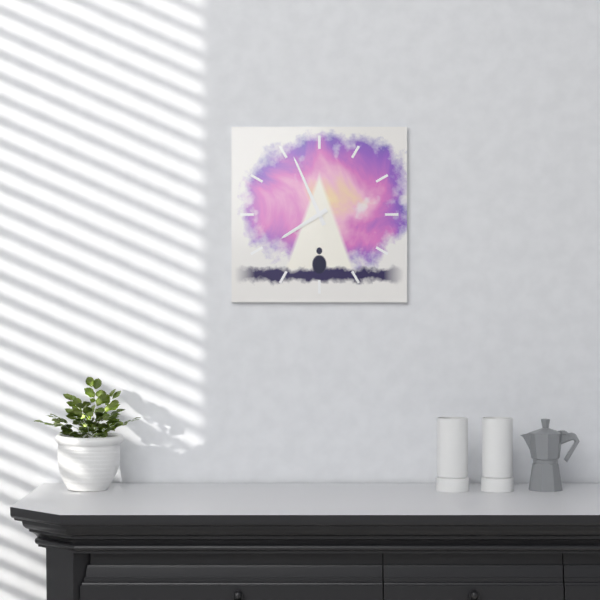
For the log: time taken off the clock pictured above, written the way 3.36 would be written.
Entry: 7.56
